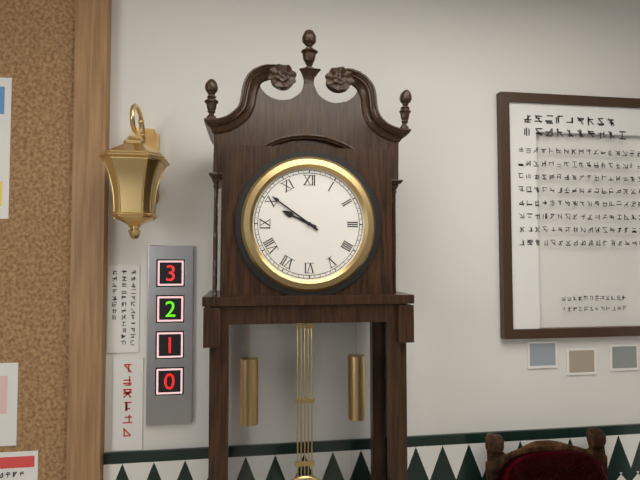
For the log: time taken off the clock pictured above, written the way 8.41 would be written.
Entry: 9.51
